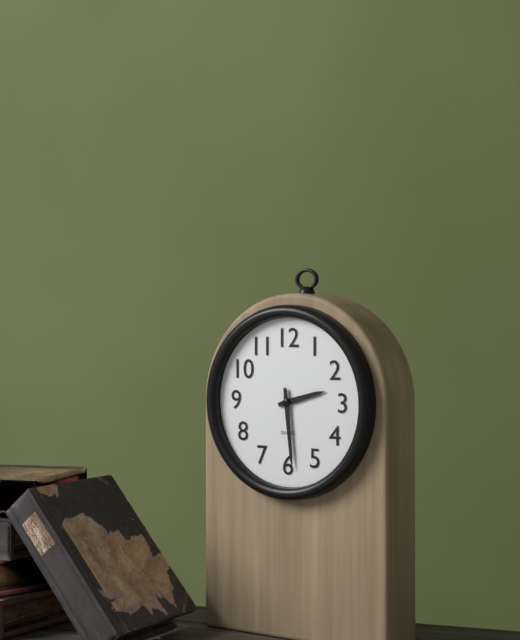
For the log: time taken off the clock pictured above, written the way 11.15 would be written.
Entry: 2.29
